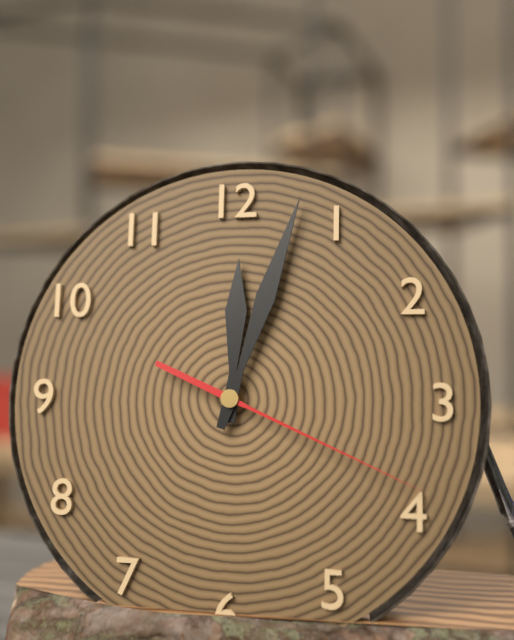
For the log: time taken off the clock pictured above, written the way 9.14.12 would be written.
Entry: 12.03.19
